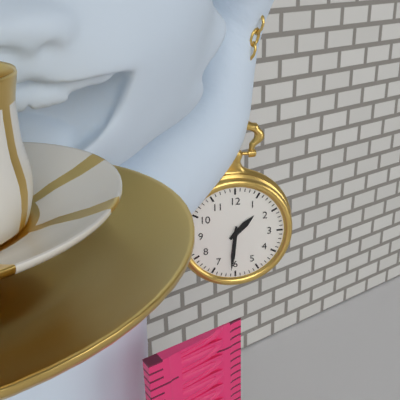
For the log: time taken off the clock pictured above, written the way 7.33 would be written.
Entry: 1.31
